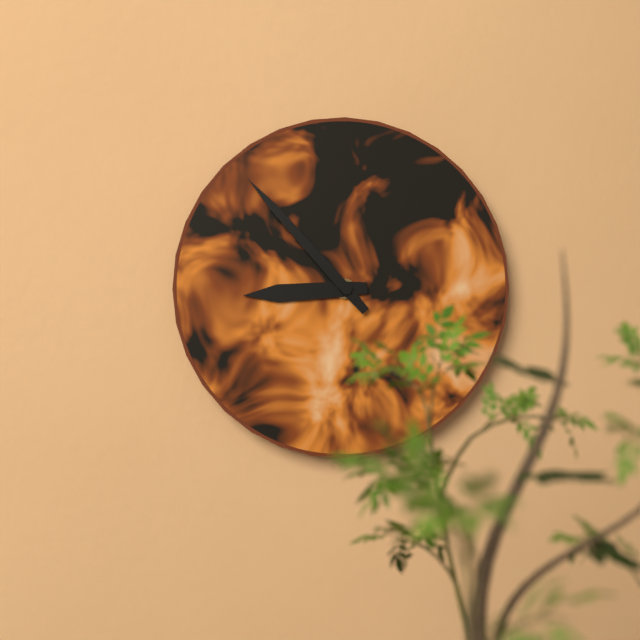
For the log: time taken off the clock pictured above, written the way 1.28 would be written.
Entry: 8.53
